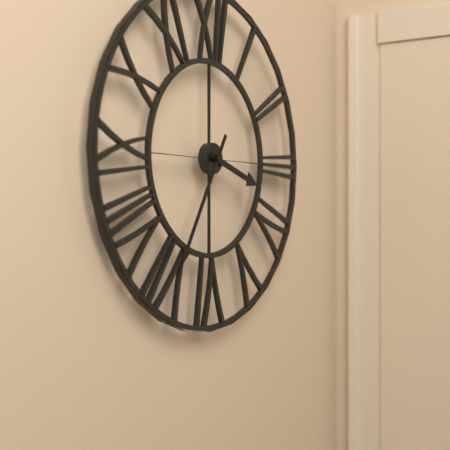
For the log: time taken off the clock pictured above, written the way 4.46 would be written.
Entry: 3.35
